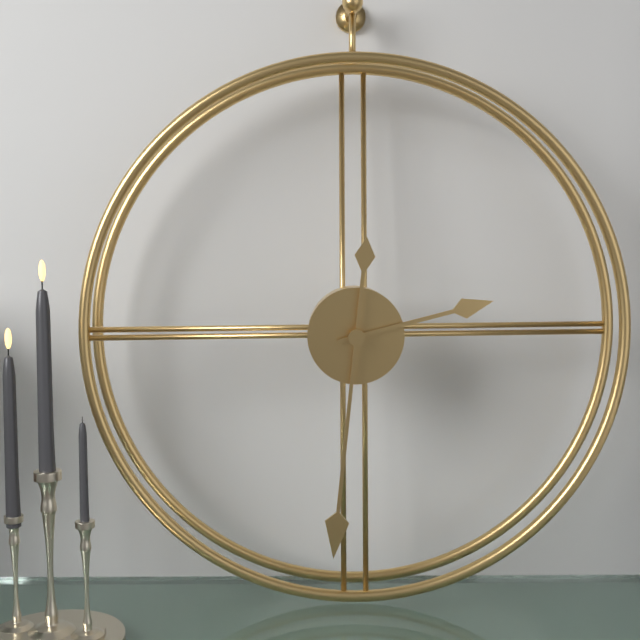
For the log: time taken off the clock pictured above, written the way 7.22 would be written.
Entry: 2.31
